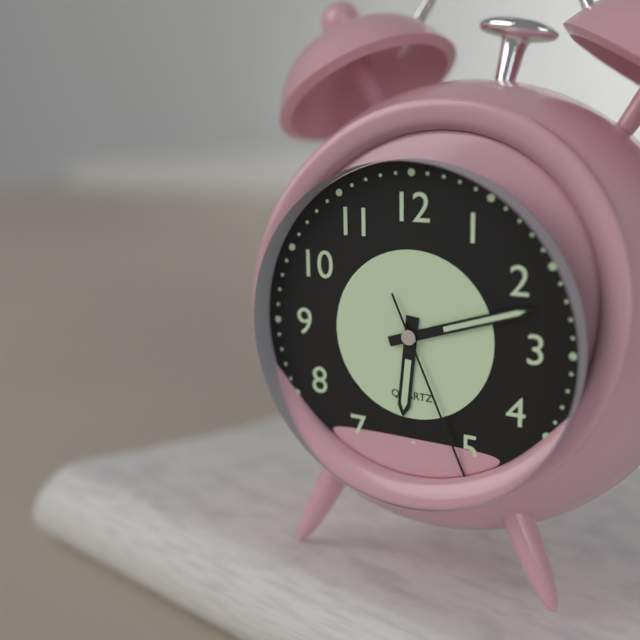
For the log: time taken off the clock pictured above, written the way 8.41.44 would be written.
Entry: 6.12.26
